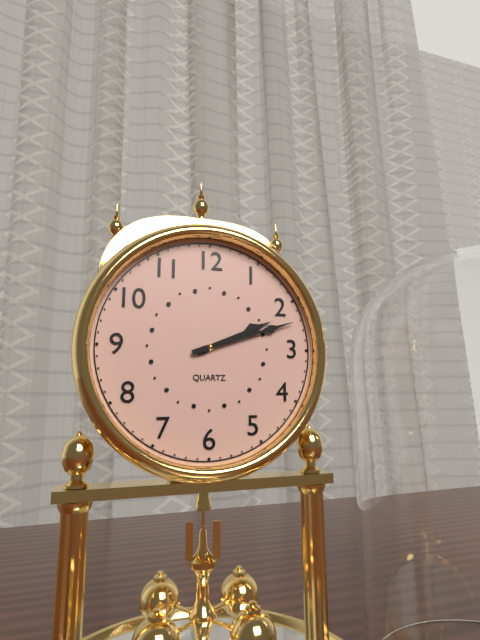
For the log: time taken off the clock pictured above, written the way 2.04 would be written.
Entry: 2.12
